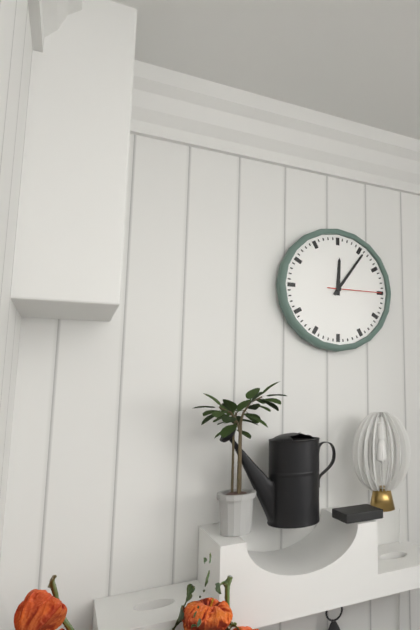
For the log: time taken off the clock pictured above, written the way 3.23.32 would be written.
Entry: 12.06.15
